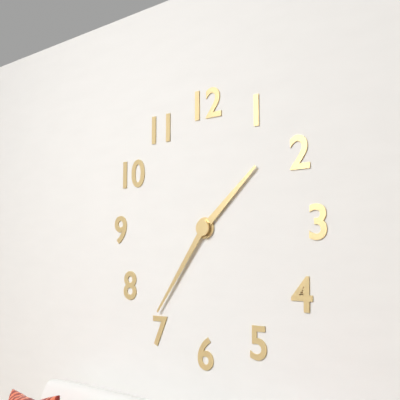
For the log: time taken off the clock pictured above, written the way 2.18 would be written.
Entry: 1.36
